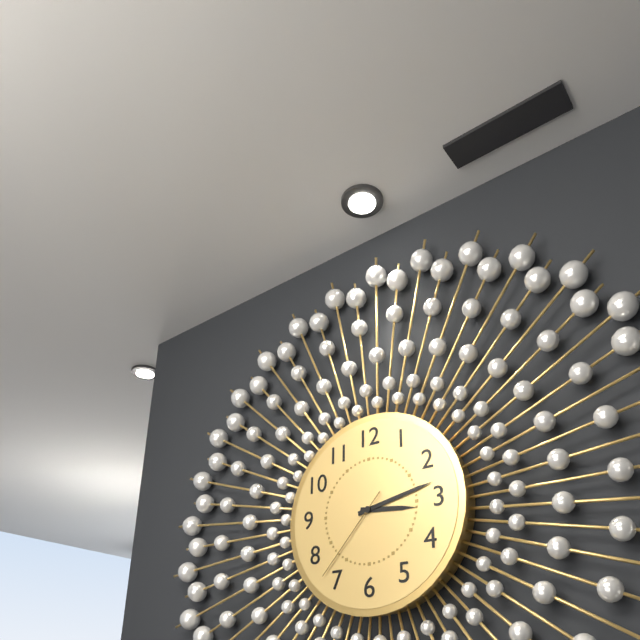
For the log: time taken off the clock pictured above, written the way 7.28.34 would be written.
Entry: 3.13.37
